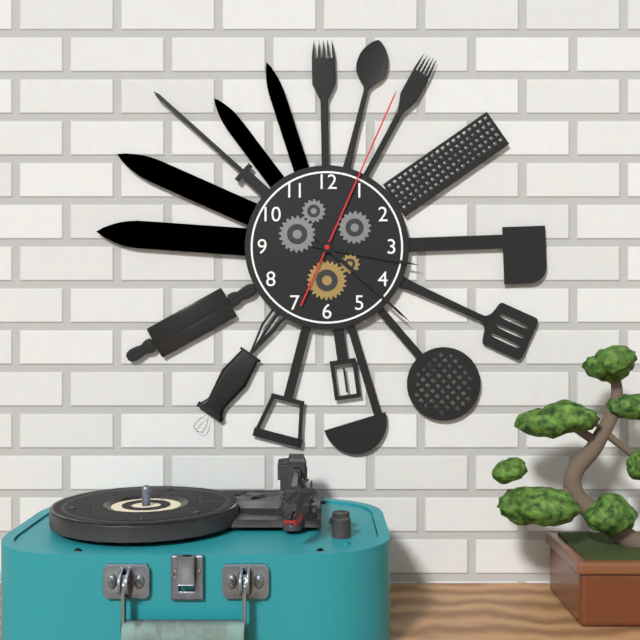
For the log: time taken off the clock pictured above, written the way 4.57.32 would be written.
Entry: 3.22.04
